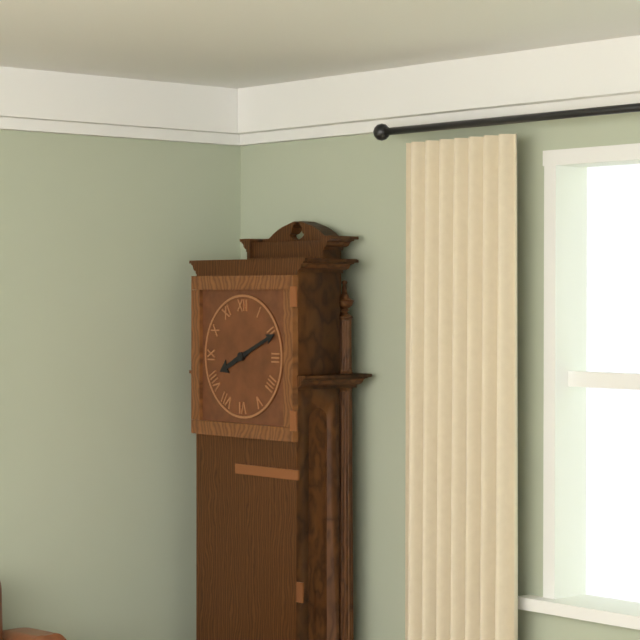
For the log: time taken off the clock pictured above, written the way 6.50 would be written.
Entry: 8.11
